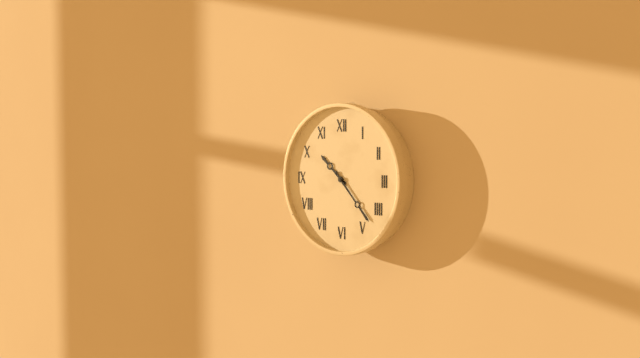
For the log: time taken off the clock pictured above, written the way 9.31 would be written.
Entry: 10.23
